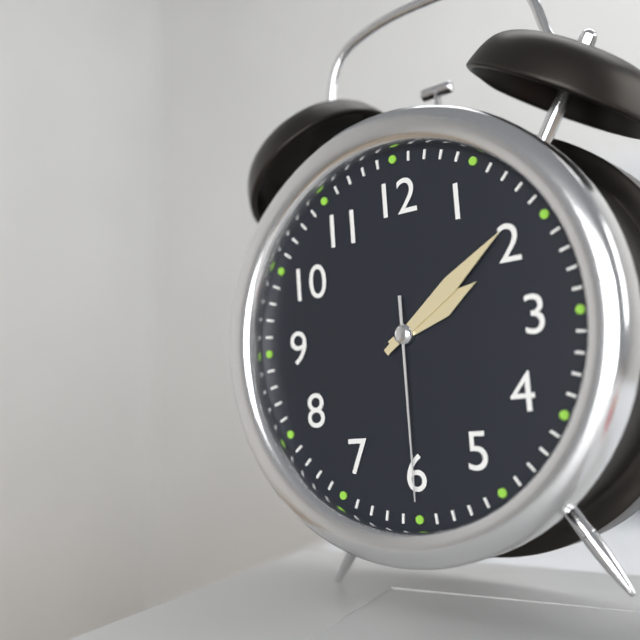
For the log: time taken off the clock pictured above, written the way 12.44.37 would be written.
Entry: 2.09.30
